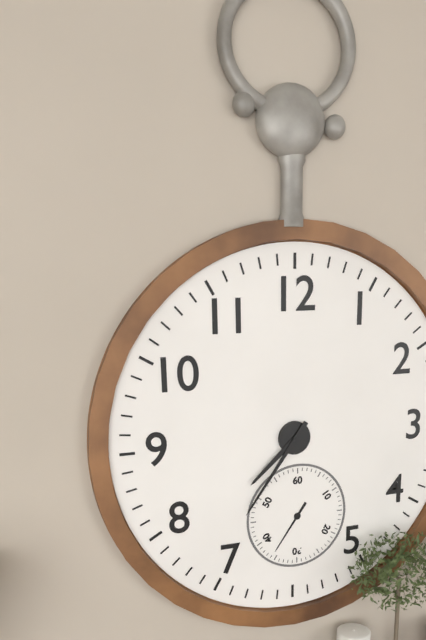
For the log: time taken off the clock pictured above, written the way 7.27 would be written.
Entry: 7.36
